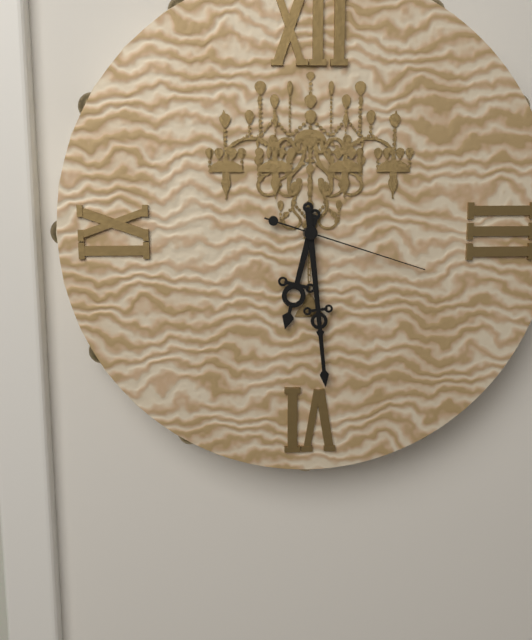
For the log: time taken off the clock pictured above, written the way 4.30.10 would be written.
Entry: 6.29.18
